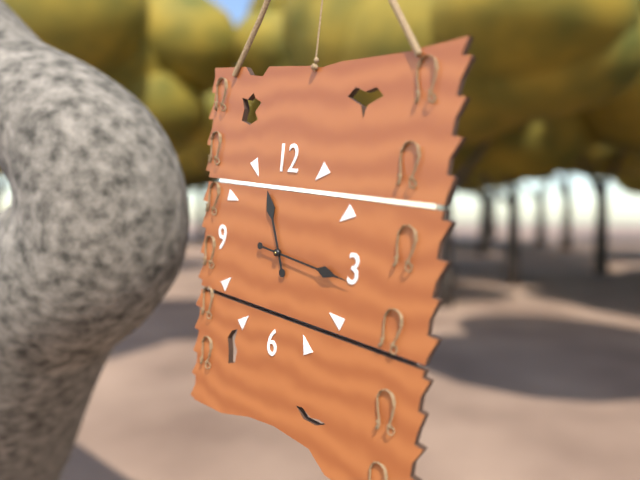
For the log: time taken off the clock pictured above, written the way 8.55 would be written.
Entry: 11.16
